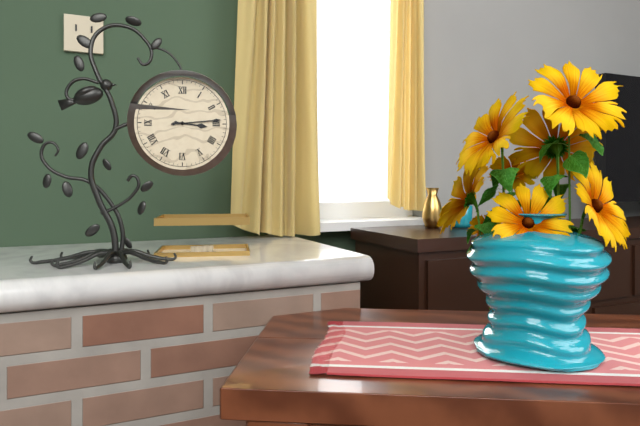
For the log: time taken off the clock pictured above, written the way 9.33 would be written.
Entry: 3.14
